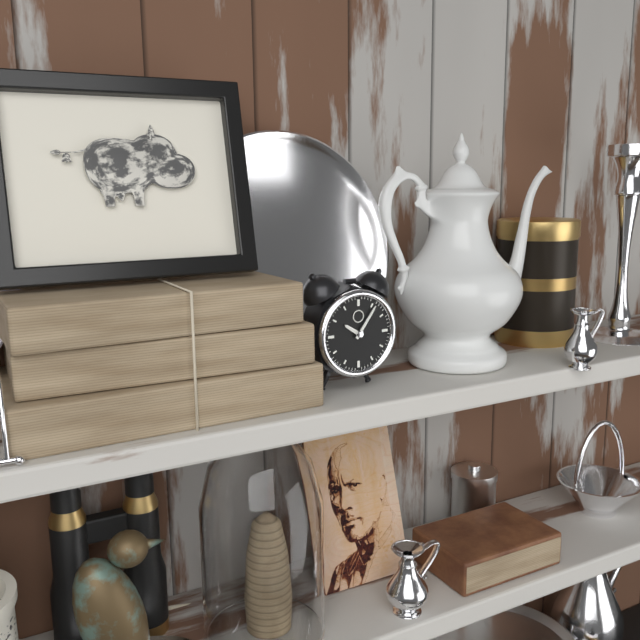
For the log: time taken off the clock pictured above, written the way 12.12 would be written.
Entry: 10.06
